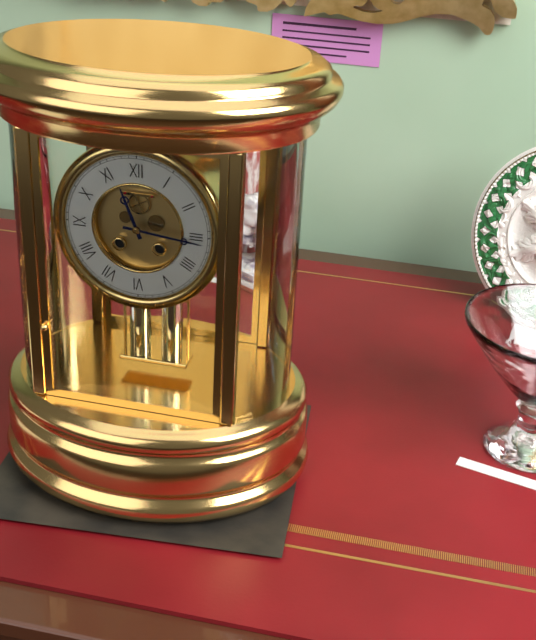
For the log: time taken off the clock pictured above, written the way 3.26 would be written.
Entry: 11.16
